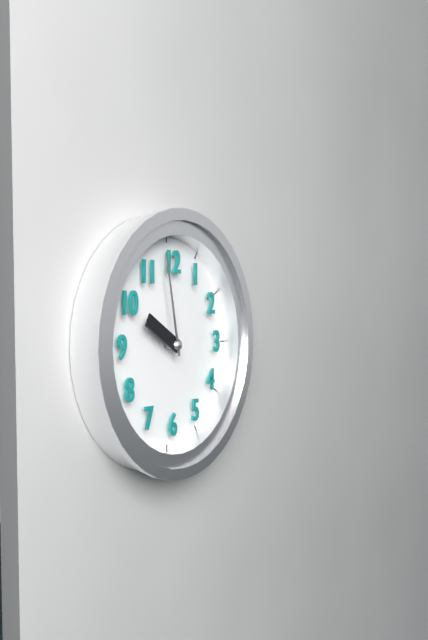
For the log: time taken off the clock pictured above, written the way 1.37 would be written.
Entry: 9.58
